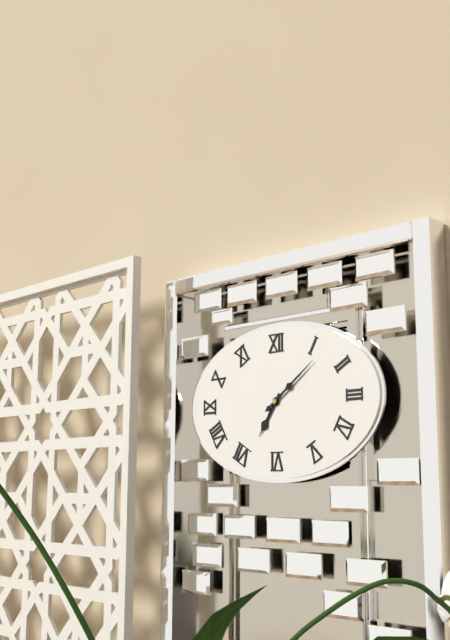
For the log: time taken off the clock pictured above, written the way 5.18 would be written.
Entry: 7.09
